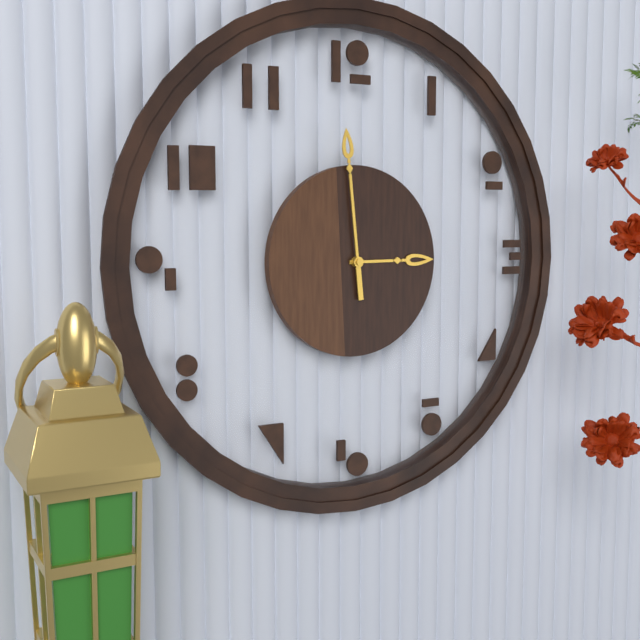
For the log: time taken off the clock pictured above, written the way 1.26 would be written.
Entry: 2.59
